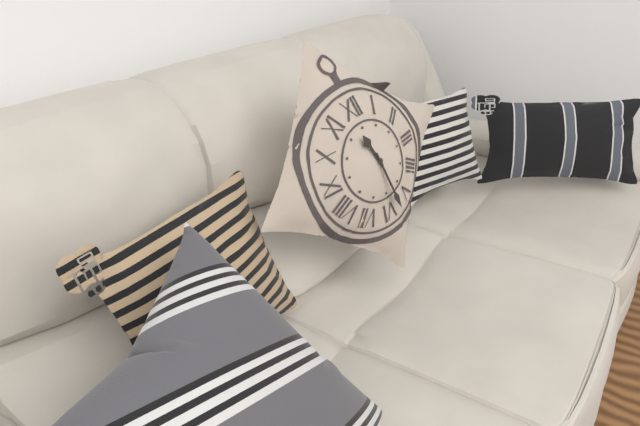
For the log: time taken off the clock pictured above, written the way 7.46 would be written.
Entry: 11.29
